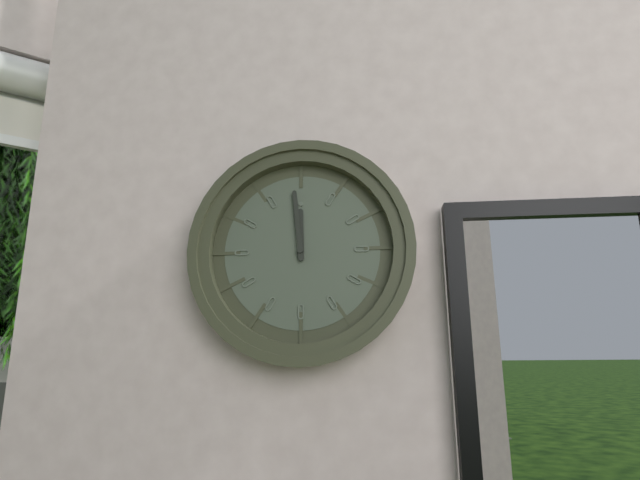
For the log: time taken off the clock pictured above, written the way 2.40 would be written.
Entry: 11.59
